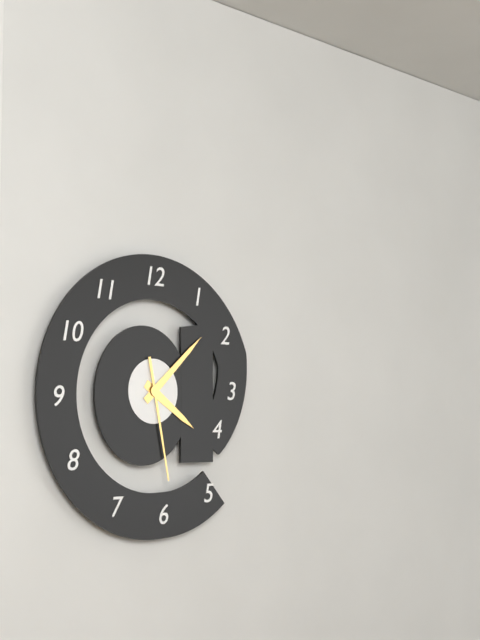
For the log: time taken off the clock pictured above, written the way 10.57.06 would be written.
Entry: 4.08.28
